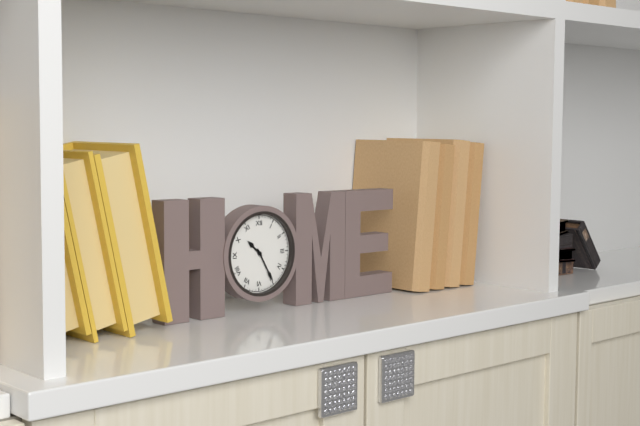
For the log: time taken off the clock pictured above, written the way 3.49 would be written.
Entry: 10.25
